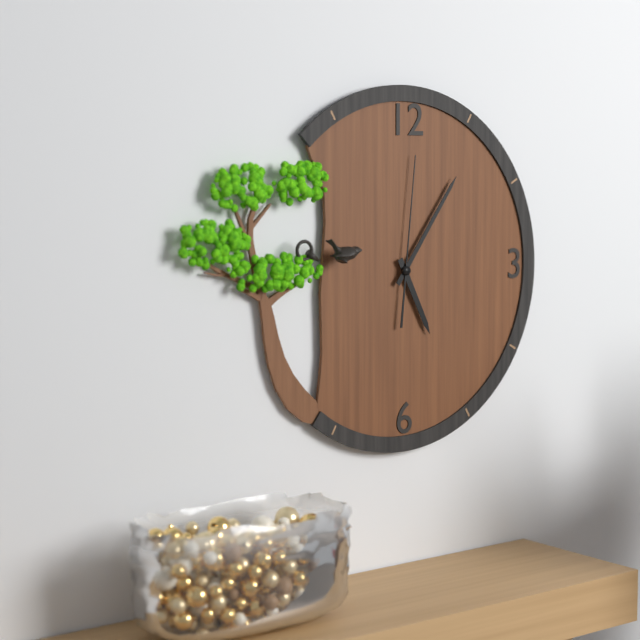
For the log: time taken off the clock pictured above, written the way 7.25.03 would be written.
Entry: 5.06.01
